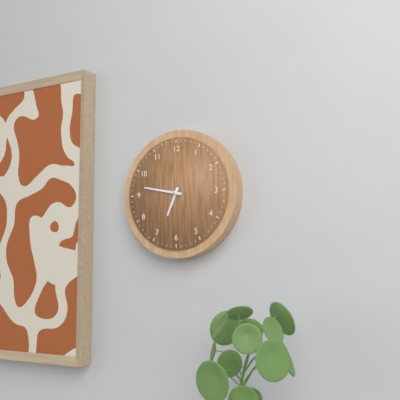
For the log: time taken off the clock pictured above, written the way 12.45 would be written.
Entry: 6.47
